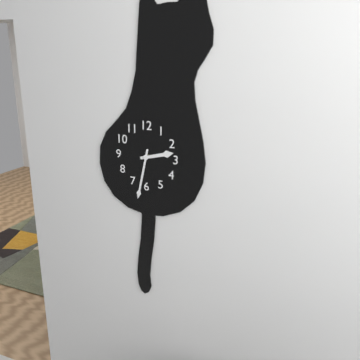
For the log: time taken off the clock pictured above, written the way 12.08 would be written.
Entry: 2.32
